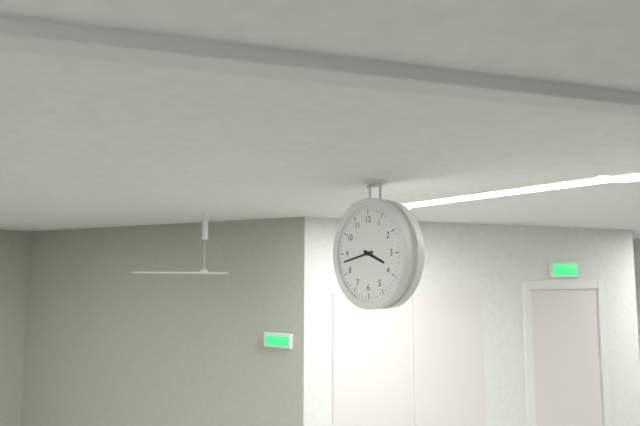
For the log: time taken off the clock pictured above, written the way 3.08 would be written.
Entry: 3.43
